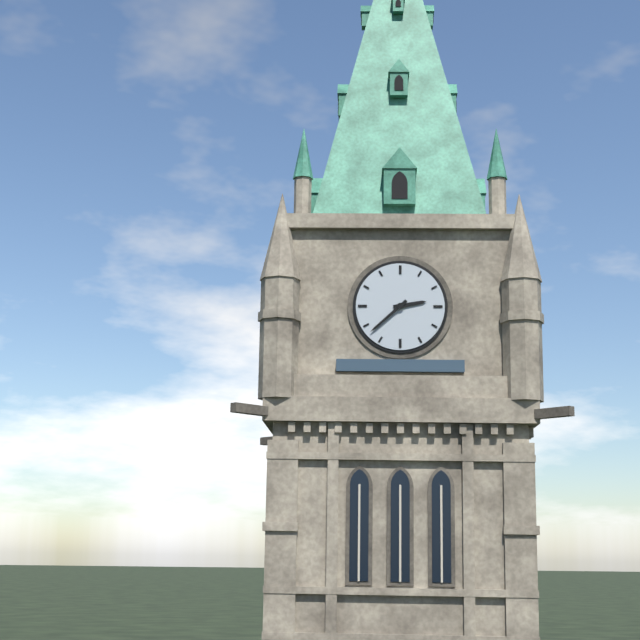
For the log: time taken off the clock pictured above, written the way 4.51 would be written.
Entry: 2.38
